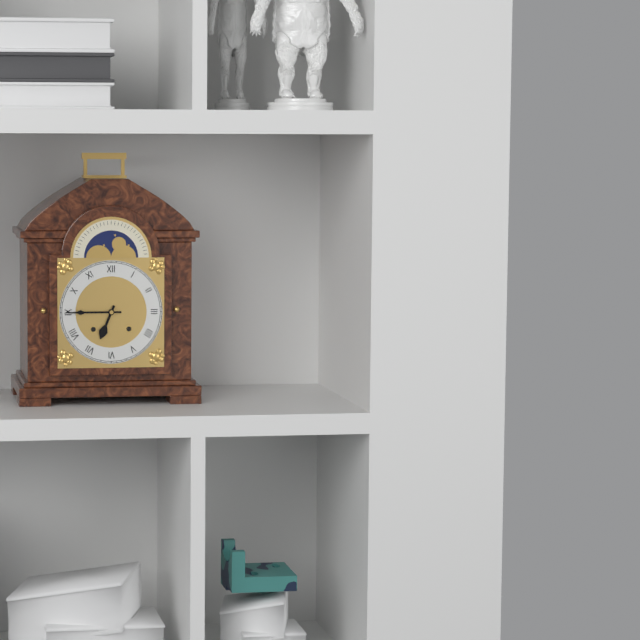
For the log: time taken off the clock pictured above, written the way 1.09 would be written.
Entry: 6.45
